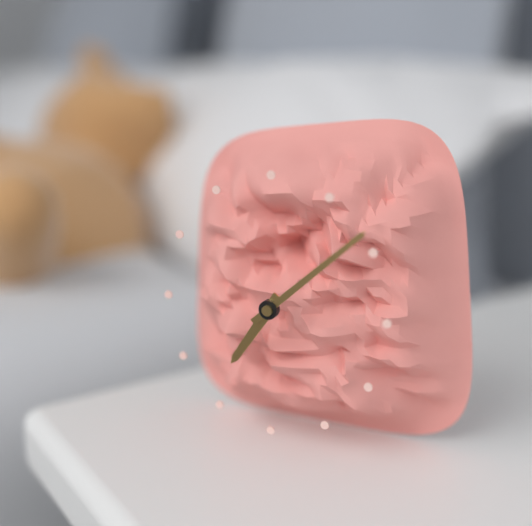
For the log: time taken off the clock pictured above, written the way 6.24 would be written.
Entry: 7.08
